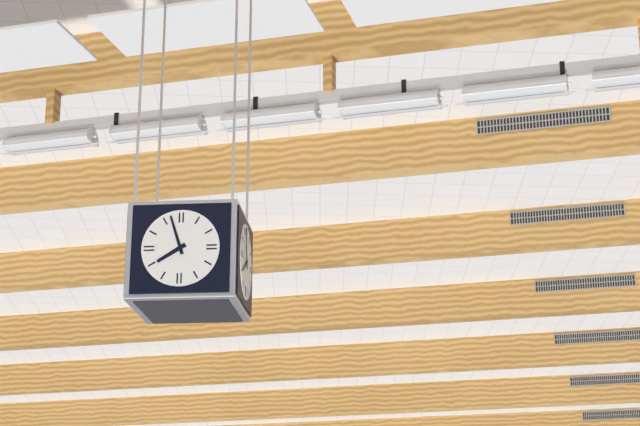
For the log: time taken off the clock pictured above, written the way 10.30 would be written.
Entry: 7.57
